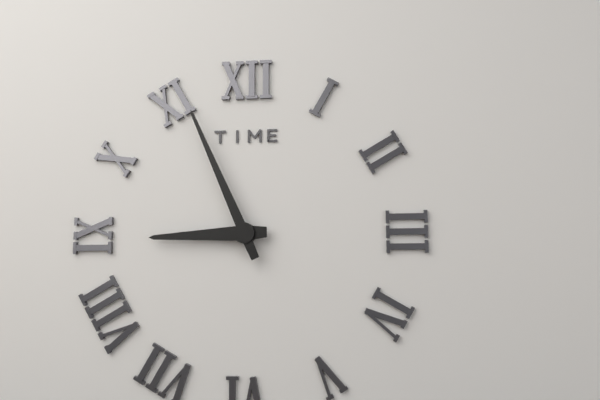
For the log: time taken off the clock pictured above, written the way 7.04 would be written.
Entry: 8.56
